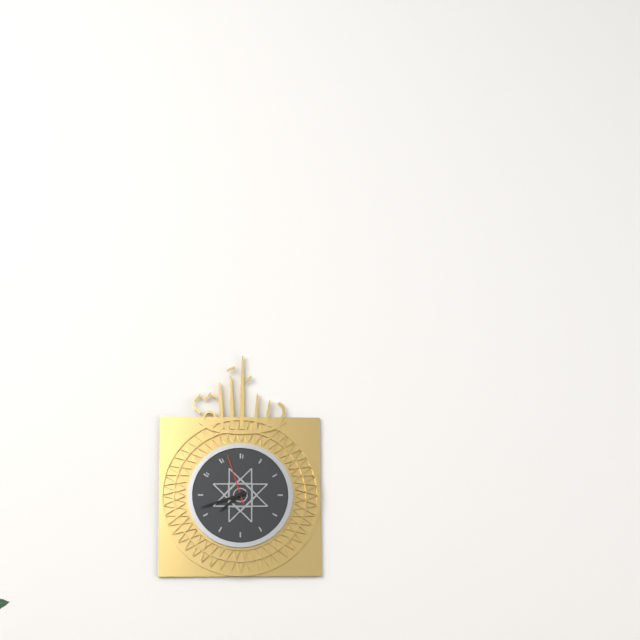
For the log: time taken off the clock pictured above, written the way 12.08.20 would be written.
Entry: 7.42.57
